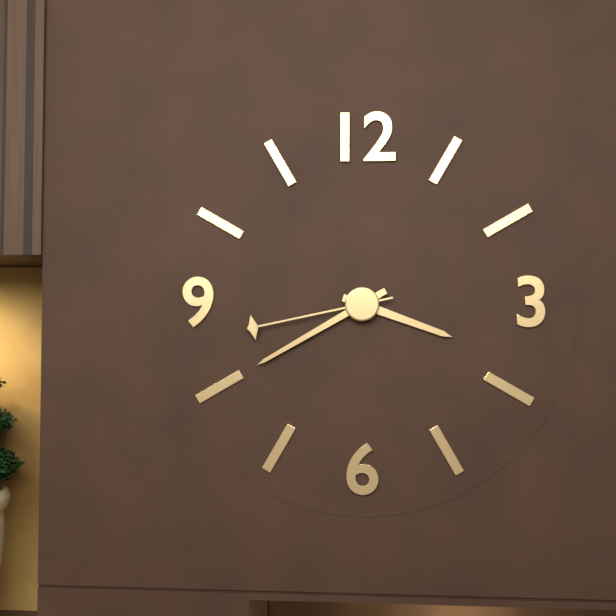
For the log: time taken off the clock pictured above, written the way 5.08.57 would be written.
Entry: 3.40.43
